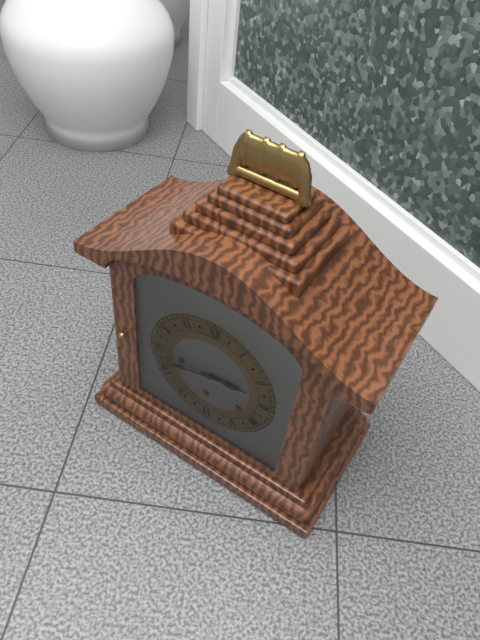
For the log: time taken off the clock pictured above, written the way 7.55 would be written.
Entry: 2.42
